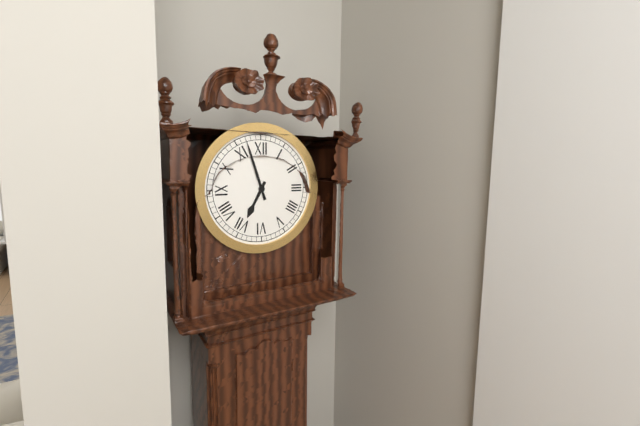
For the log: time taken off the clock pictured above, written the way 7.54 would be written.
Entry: 6.57
